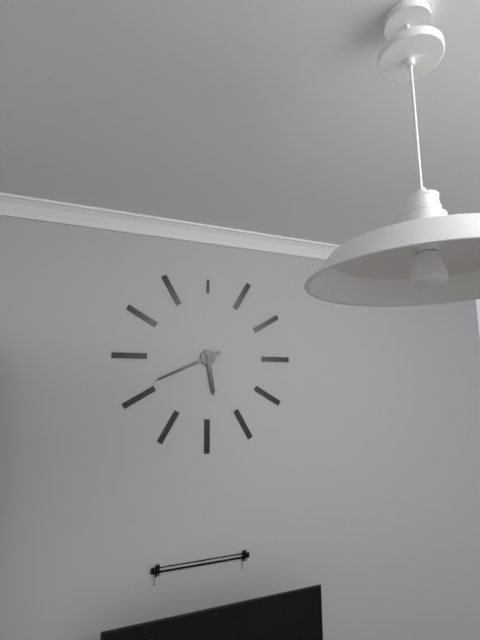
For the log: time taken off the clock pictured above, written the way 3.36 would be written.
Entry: 5.41
